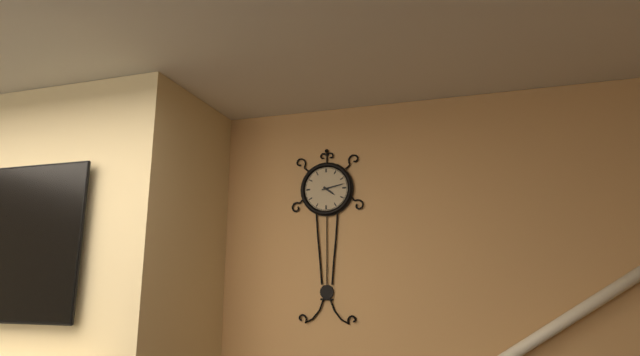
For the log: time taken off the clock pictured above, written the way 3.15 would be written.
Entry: 4.13
